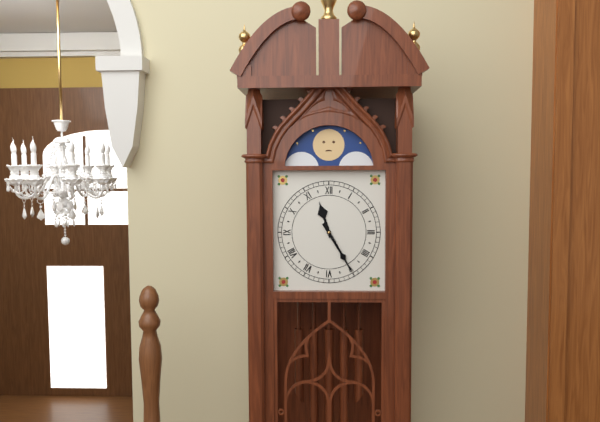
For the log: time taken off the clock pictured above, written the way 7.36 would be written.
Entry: 11.25
